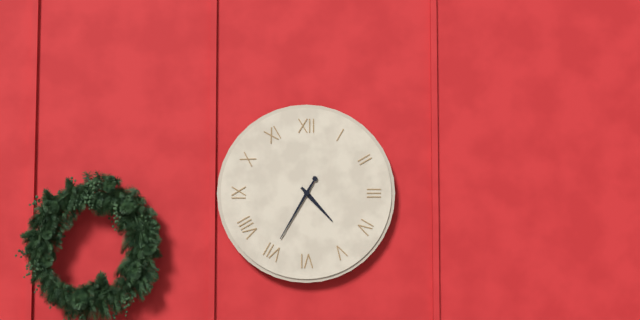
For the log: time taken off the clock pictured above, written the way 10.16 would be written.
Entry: 4.35
